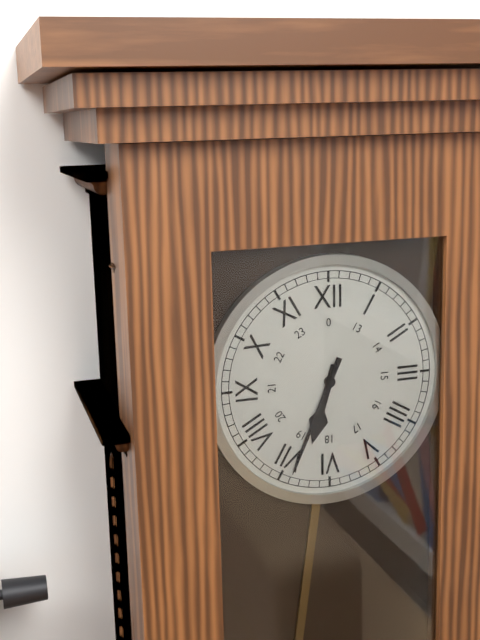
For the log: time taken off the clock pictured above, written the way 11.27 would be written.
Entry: 6.34
